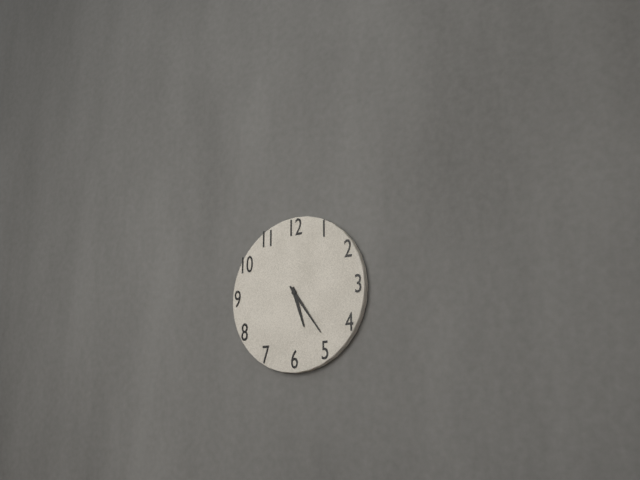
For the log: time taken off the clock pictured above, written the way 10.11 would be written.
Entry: 5.24
